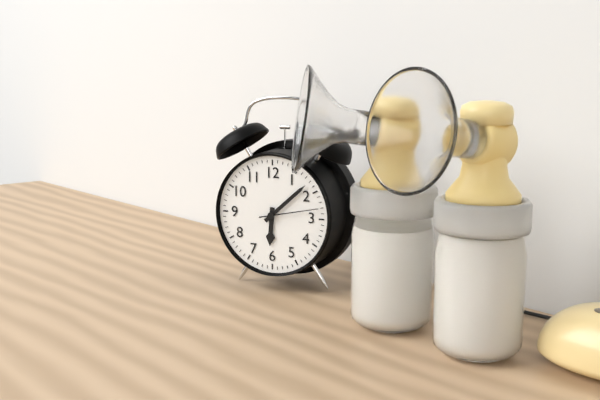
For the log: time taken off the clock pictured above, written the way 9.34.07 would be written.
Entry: 6.08.13
